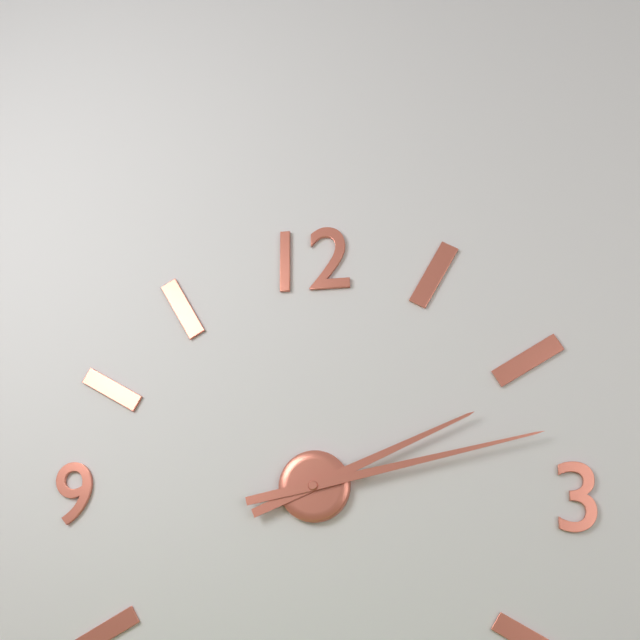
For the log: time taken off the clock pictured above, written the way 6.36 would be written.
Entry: 2.13
